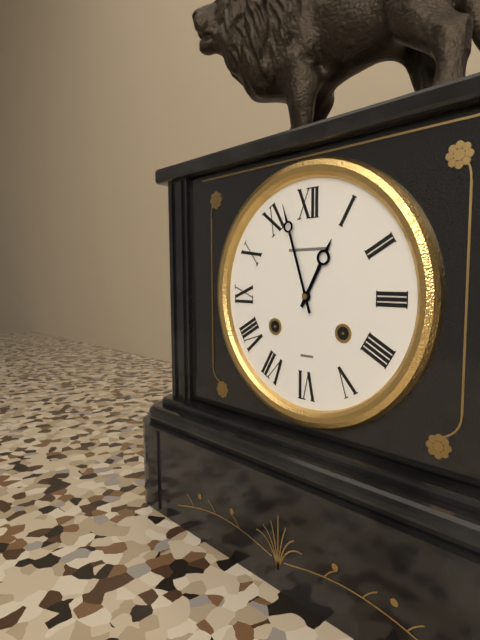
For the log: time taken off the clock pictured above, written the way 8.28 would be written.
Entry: 12.57
